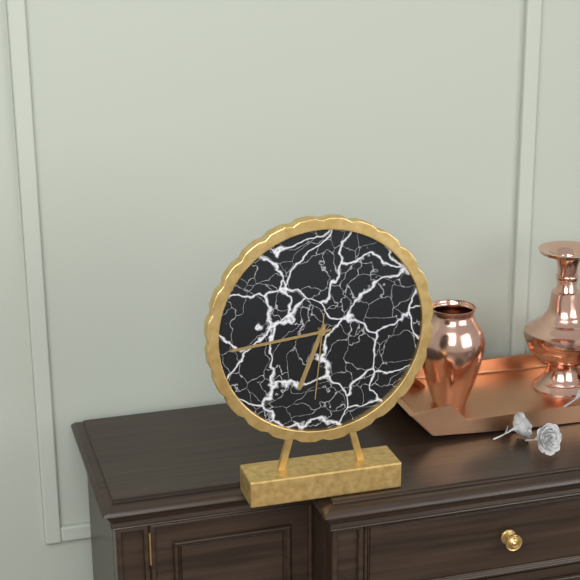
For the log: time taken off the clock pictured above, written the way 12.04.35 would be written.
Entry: 6.44.31
